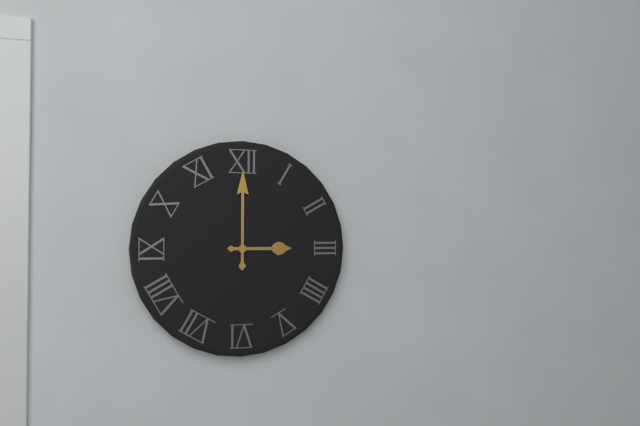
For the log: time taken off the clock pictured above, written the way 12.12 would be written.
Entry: 3.00
